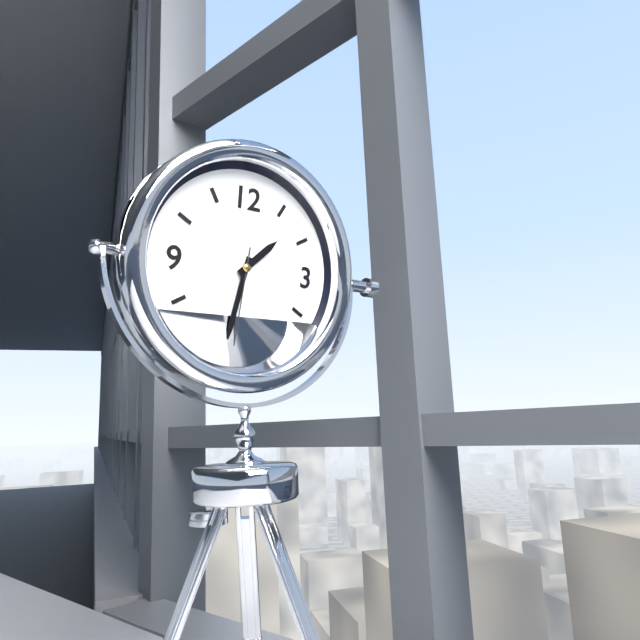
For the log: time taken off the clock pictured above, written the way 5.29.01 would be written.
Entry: 1.32.31
